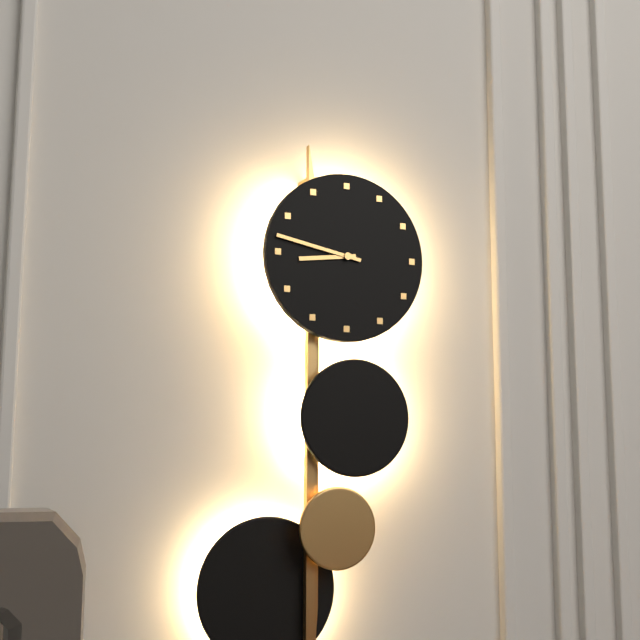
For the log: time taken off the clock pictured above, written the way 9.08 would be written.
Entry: 8.47
